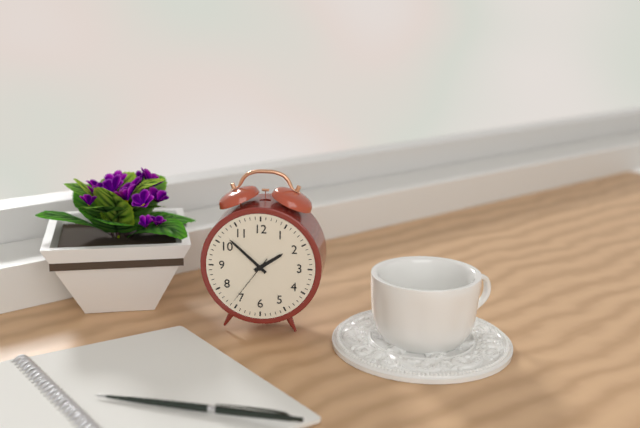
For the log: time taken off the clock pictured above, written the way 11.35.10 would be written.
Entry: 1.52.36
